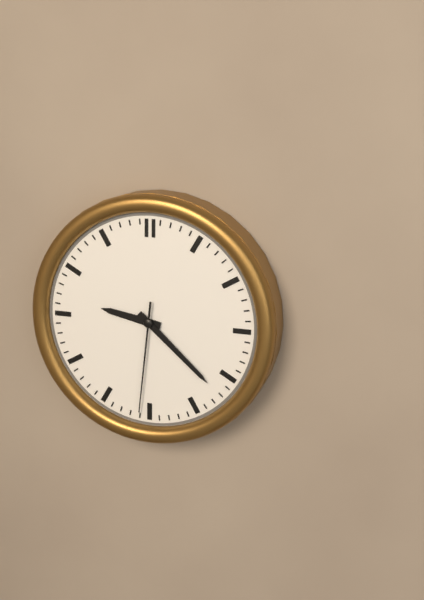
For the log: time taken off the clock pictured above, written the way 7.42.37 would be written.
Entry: 9.22.31
